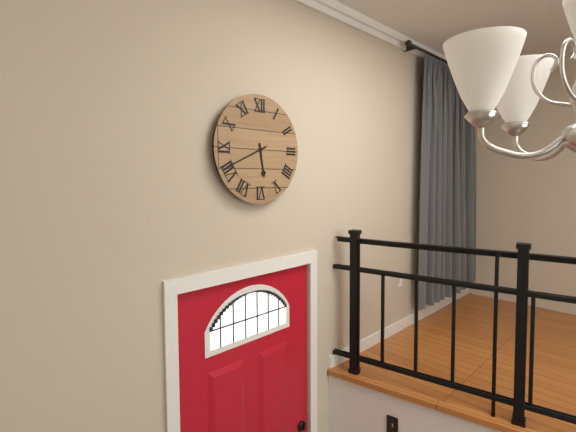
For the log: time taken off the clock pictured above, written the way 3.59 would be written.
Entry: 5.41
